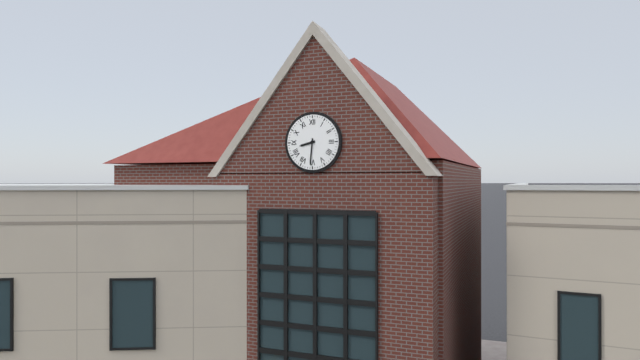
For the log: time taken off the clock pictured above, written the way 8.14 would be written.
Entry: 8.31
